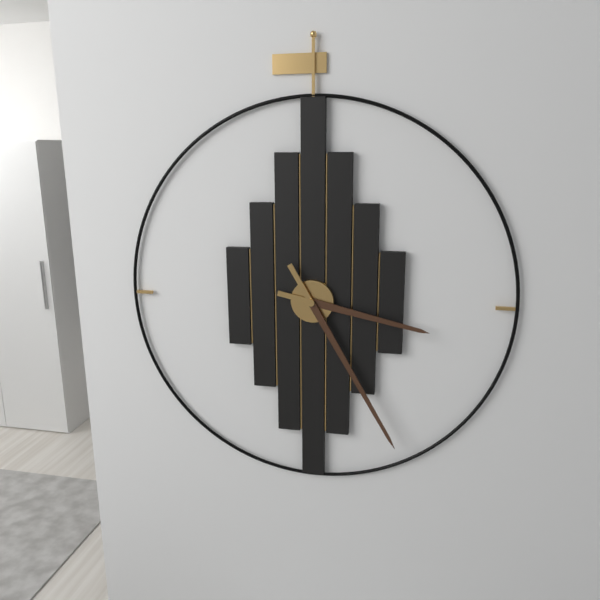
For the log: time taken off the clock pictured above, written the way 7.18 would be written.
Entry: 3.25
